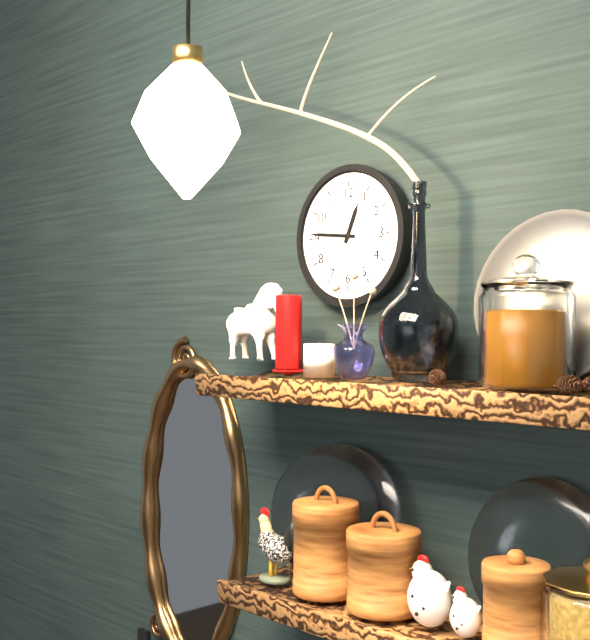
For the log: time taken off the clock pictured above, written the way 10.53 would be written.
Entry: 12.46
